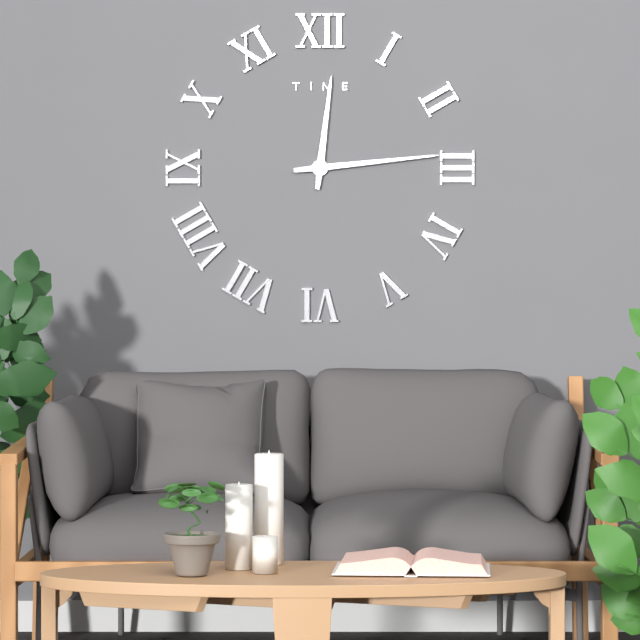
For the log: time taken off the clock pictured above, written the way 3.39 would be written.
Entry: 12.14
